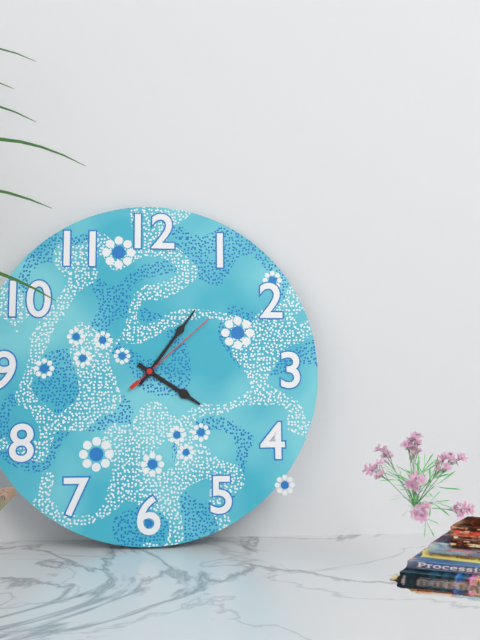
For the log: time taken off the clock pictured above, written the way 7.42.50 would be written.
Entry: 4.06.08
